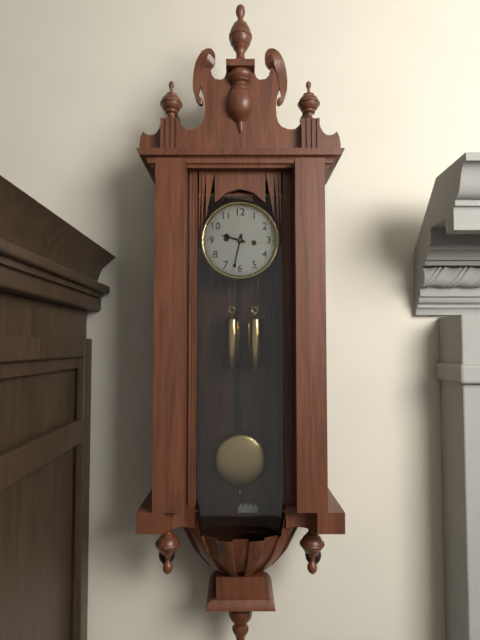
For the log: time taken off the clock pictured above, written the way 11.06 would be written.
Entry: 9.32
